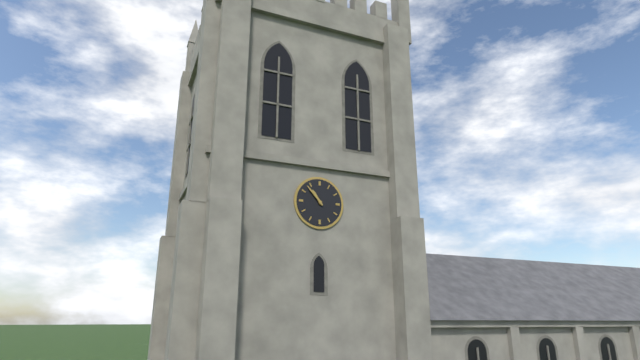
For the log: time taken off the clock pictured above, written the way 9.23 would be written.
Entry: 10.53
